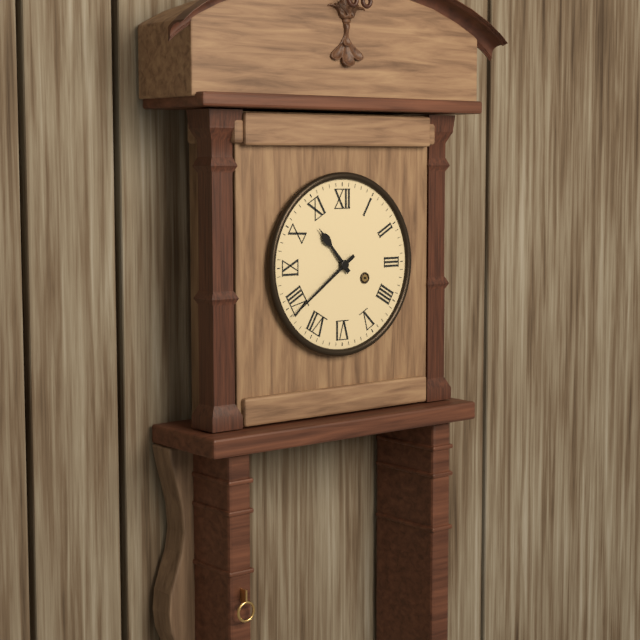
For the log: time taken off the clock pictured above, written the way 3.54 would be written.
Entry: 10.39
